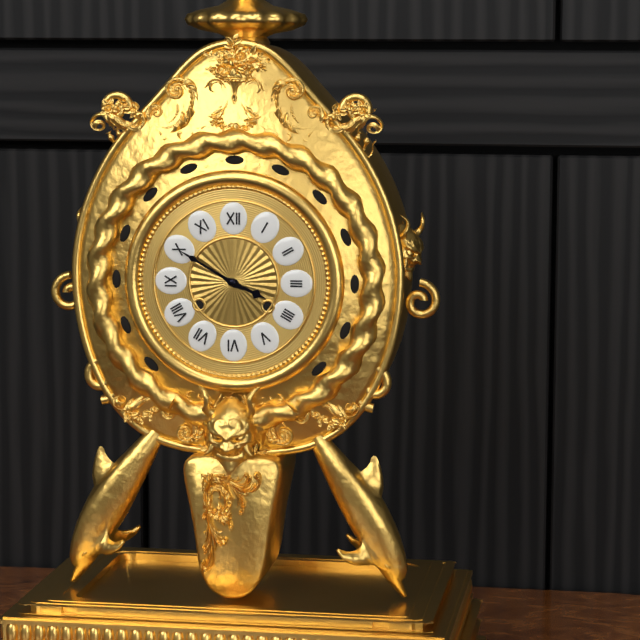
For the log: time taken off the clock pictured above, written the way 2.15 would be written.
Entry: 3.50
